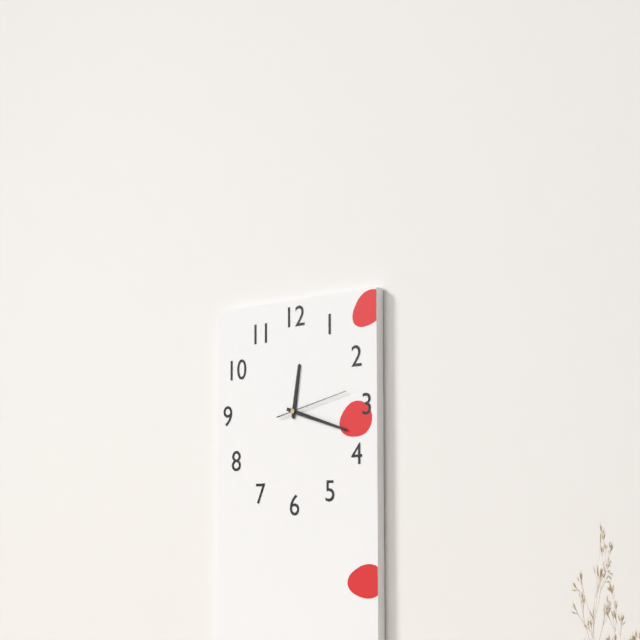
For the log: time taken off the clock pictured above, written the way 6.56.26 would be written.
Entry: 12.18.13
